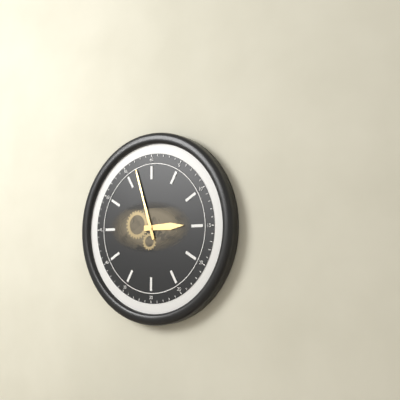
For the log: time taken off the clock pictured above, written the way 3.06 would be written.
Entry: 2.57
